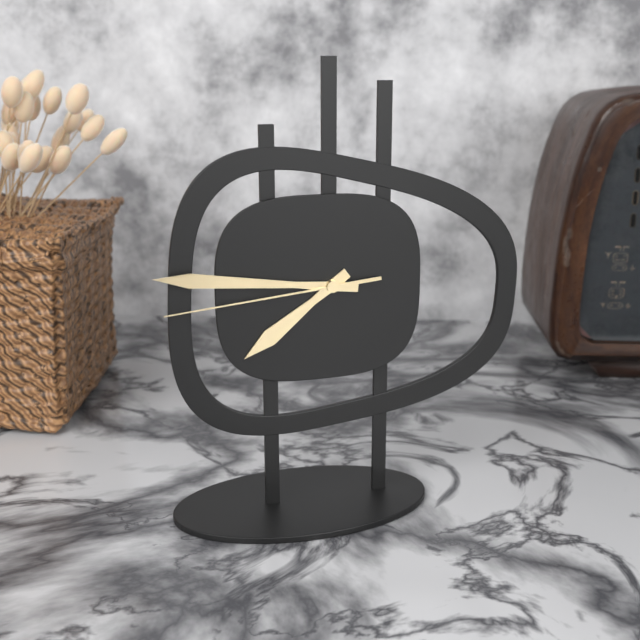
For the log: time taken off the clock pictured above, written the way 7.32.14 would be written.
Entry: 7.46.44
